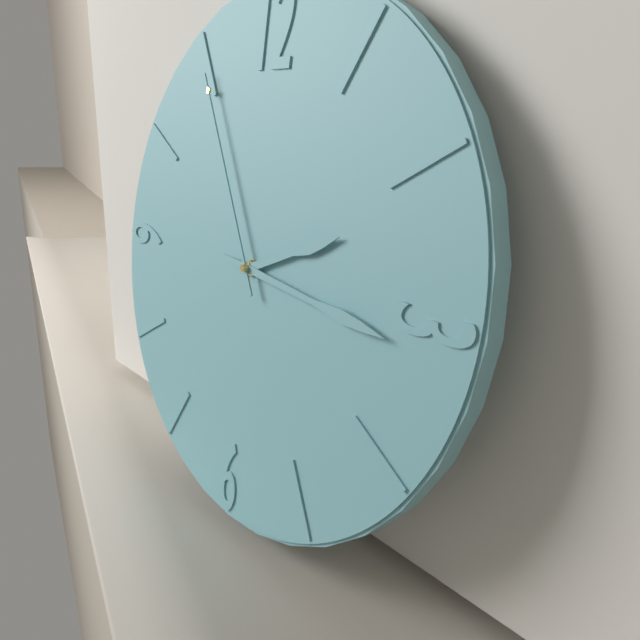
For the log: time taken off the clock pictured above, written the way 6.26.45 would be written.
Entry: 2.16.55
